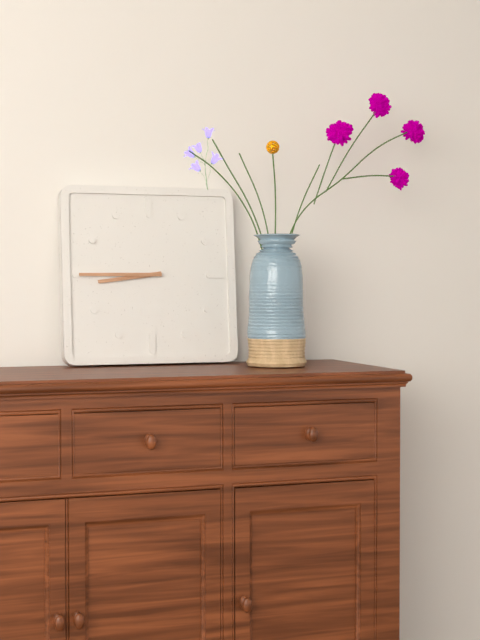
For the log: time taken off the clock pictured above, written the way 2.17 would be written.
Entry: 8.45
